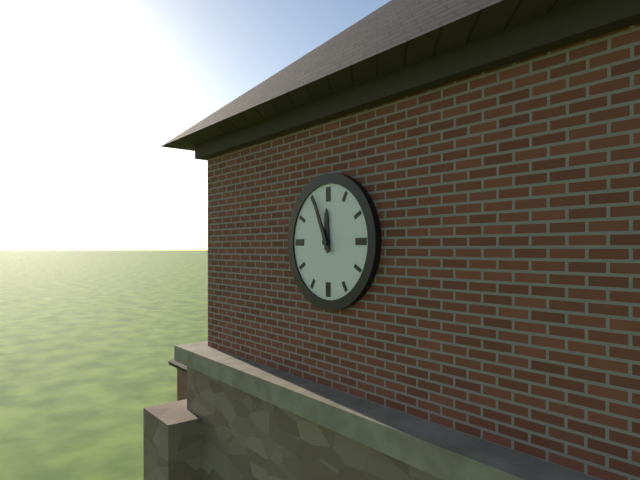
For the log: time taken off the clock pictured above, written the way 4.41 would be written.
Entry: 11.56
